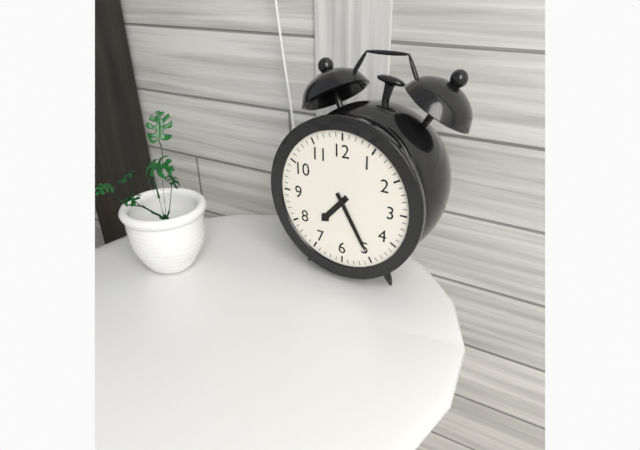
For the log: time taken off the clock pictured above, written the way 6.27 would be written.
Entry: 7.25
